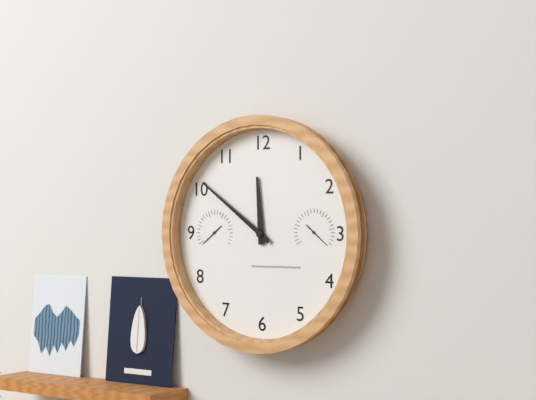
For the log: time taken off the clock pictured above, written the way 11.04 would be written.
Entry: 11.51
